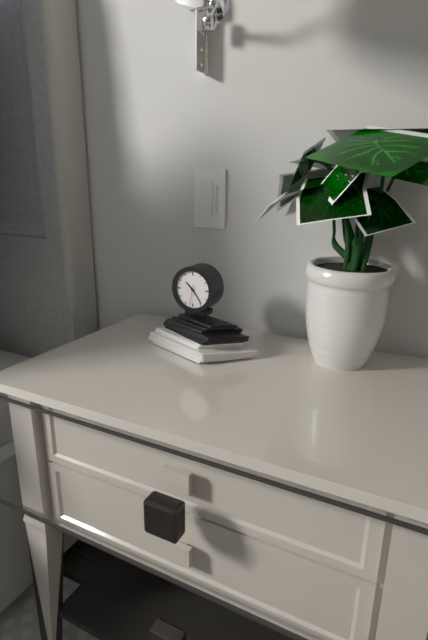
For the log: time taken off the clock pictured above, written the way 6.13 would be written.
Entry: 10.24
